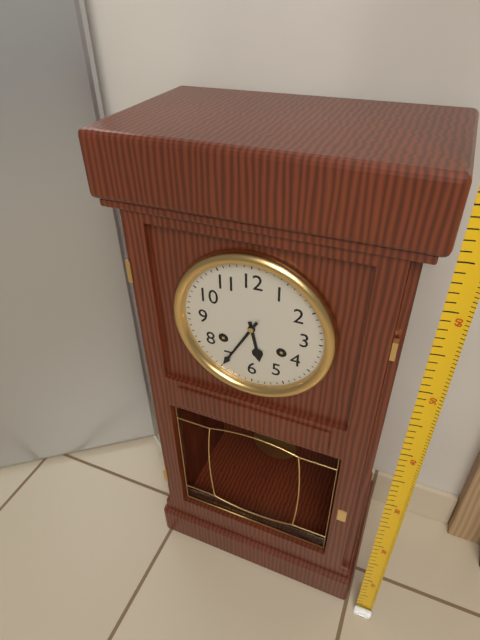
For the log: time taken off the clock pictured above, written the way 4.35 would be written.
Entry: 5.35
